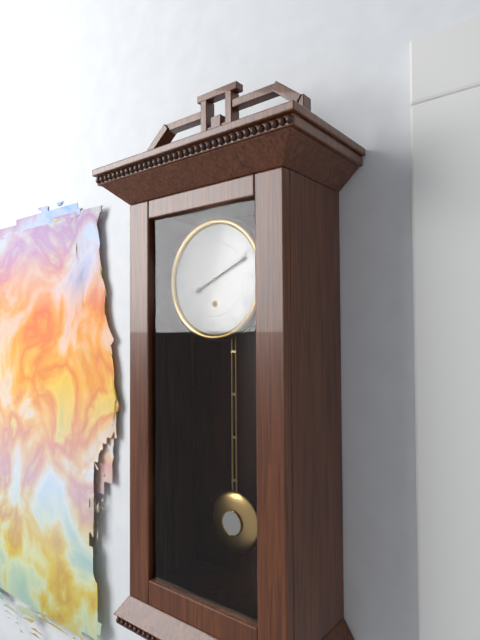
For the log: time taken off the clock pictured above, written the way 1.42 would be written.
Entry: 8.11
